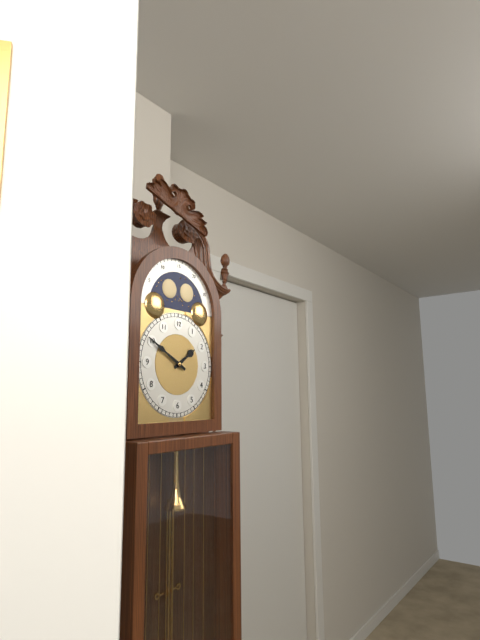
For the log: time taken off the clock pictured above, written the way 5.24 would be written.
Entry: 1.50
